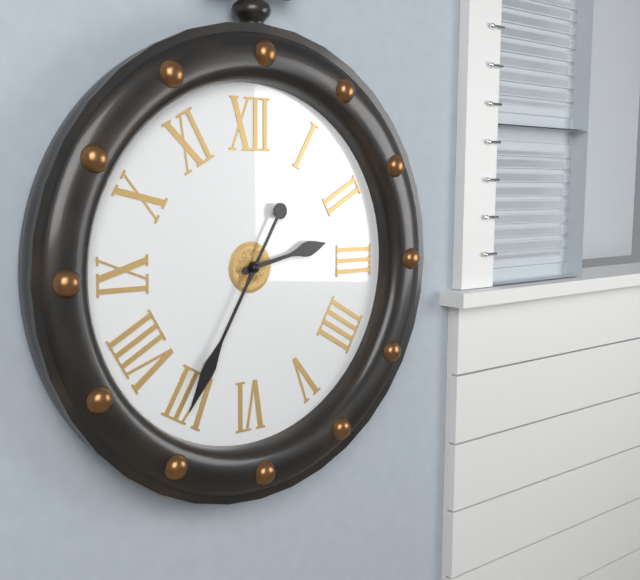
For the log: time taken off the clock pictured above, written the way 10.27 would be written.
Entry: 2.35
